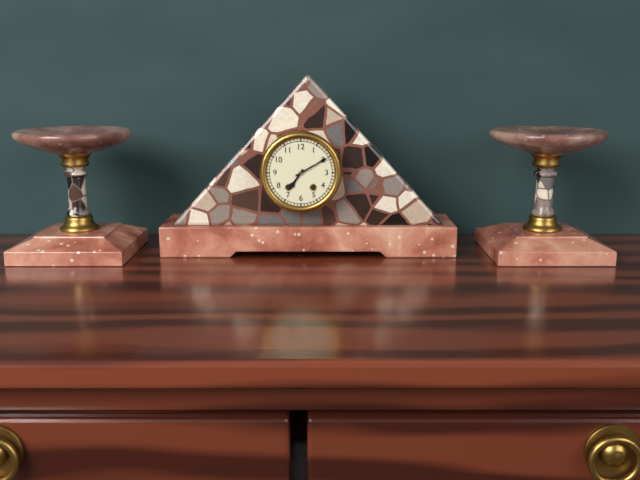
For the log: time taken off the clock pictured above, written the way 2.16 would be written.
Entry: 7.10
